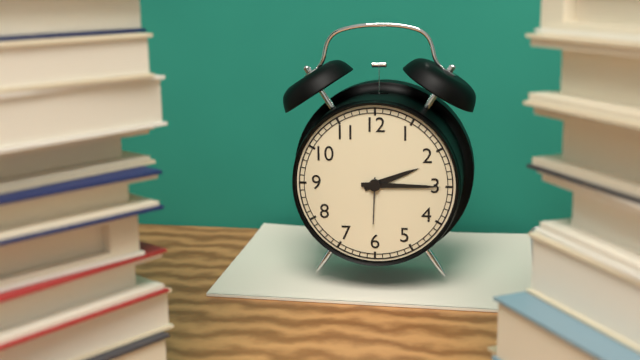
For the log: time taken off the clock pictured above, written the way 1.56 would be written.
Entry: 2.15
